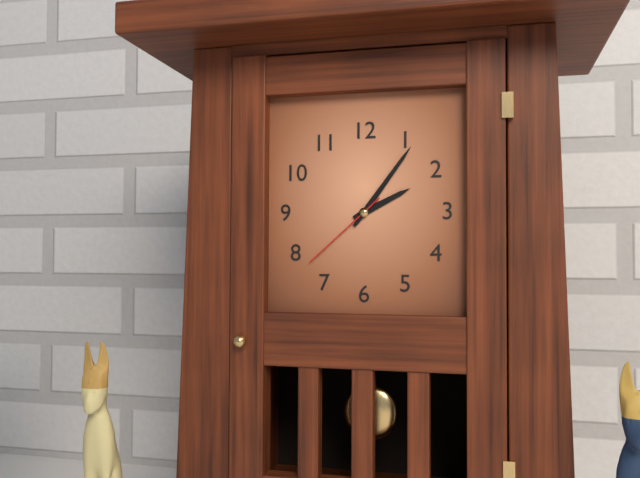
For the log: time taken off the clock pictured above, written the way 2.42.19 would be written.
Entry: 2.06.38
